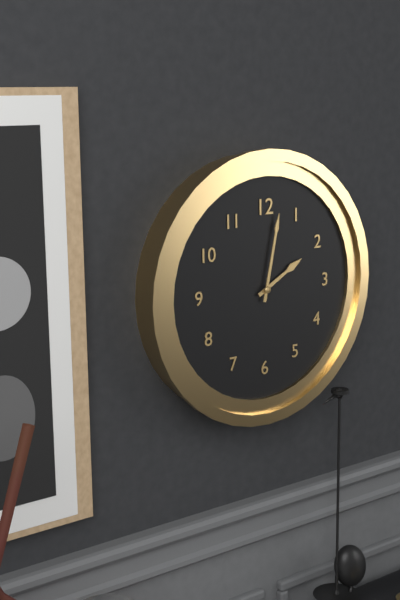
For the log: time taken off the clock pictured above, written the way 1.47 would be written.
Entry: 2.02
